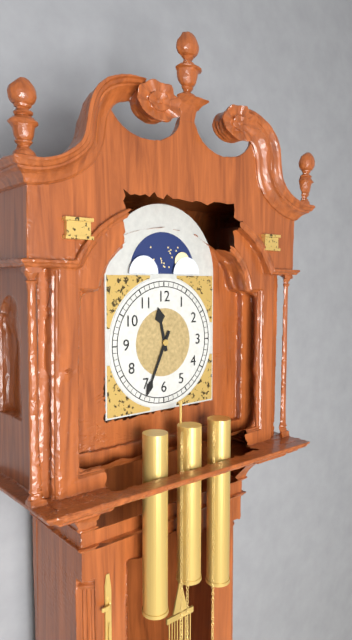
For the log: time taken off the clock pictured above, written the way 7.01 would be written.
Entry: 11.34
